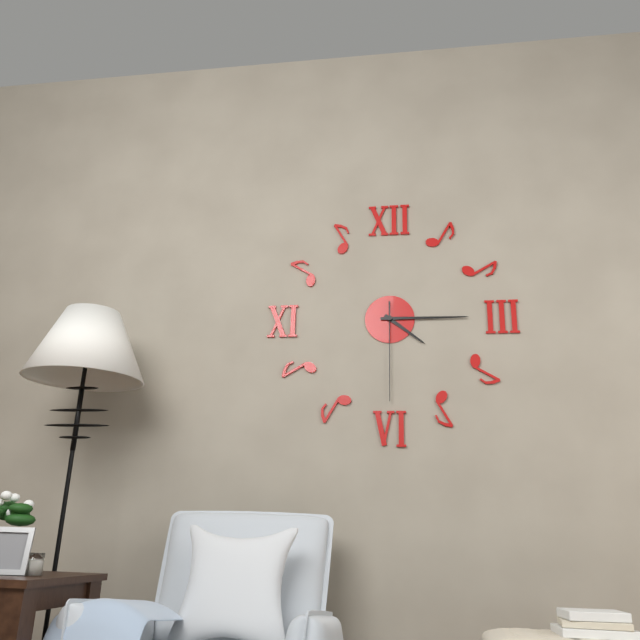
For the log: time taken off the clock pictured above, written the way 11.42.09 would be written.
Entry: 4.15.30
